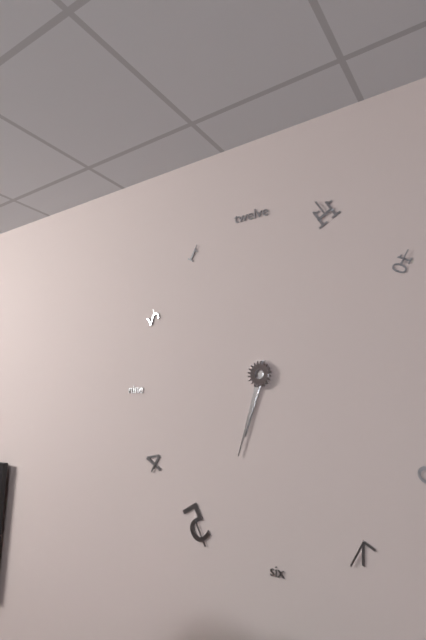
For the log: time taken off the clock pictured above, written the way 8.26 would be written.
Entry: 6.33
